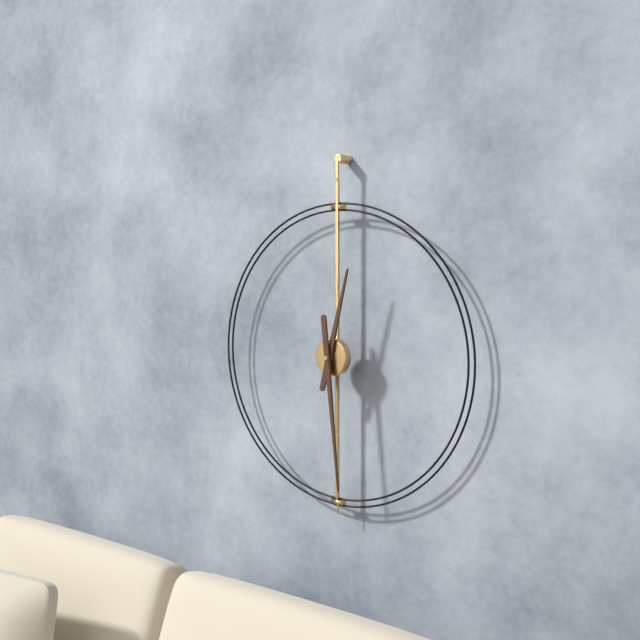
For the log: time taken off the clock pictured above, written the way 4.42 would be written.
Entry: 12.29
